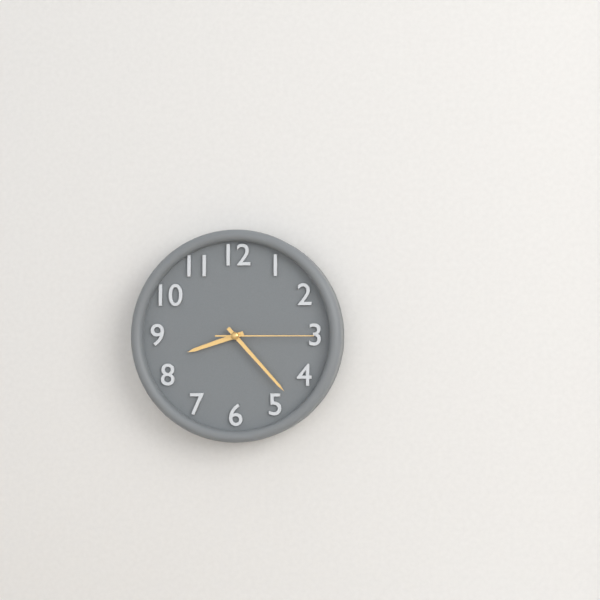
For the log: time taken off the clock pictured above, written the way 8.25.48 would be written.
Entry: 8.23.15
